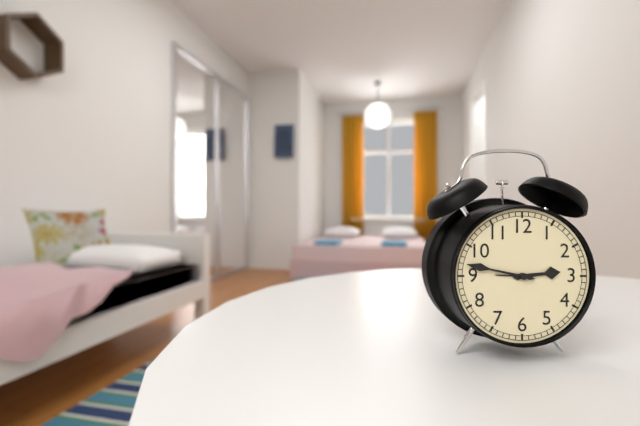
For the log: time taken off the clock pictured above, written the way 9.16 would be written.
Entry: 2.47
